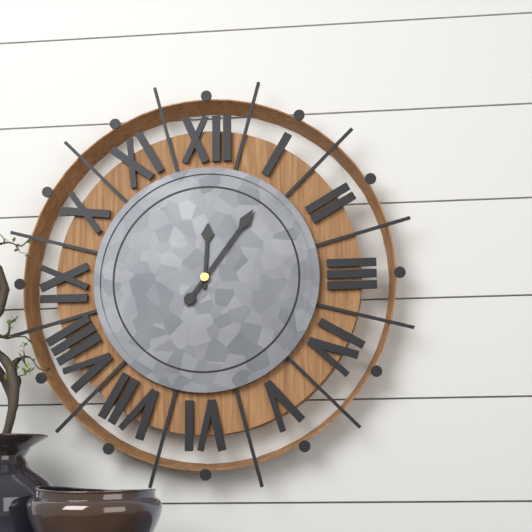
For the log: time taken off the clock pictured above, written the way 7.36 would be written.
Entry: 12.06
